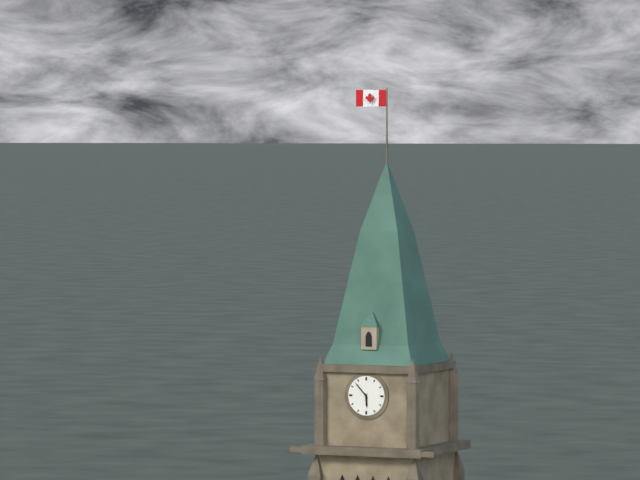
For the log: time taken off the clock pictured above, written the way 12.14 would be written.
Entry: 5.53
